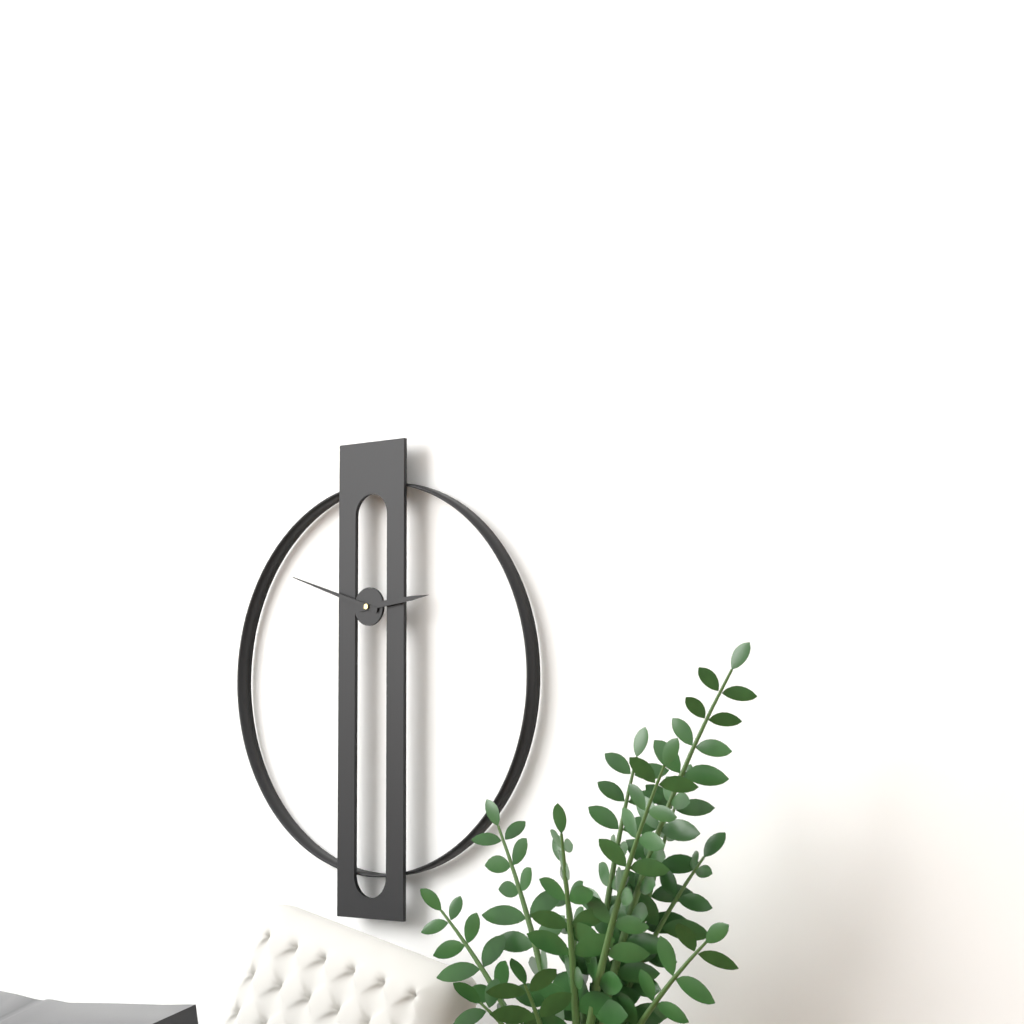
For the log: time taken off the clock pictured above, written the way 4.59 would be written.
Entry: 2.48
